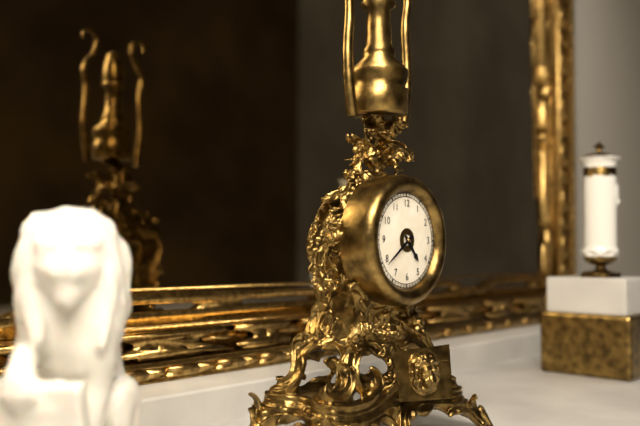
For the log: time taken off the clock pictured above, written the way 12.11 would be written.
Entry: 4.39
